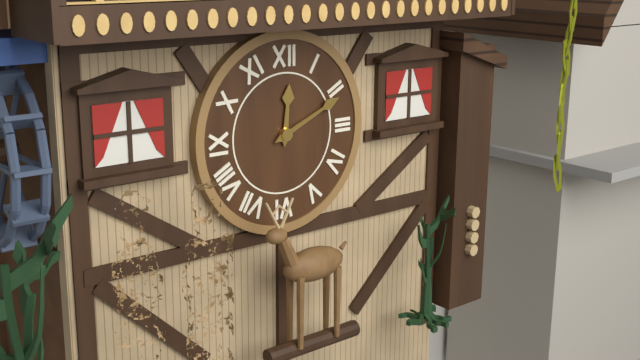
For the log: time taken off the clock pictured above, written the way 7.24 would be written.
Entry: 12.11
